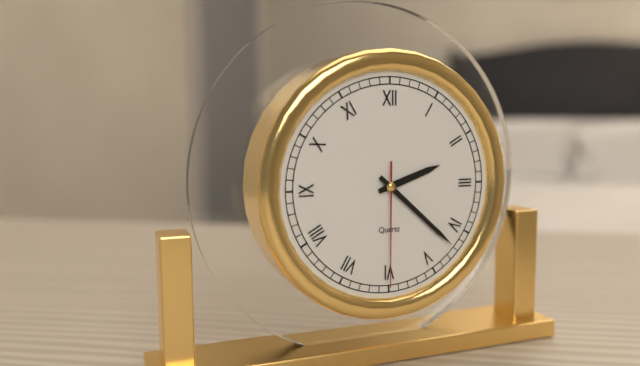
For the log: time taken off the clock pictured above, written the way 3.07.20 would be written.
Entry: 2.22.30
